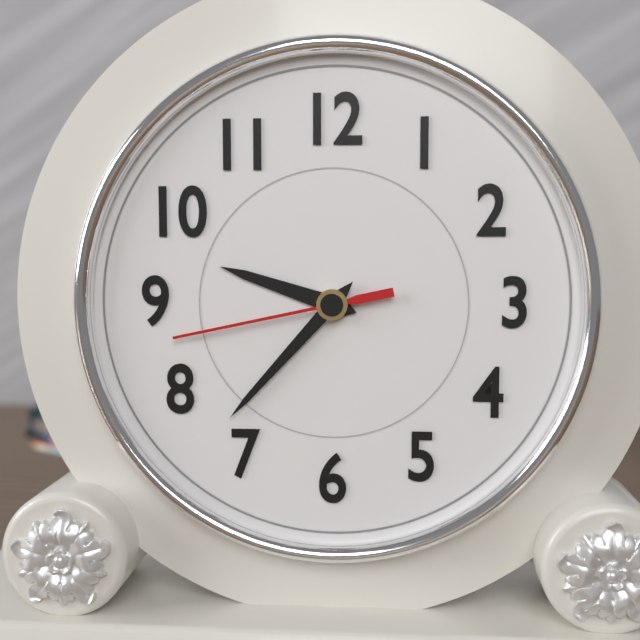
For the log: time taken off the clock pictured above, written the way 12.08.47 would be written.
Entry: 9.37.43
